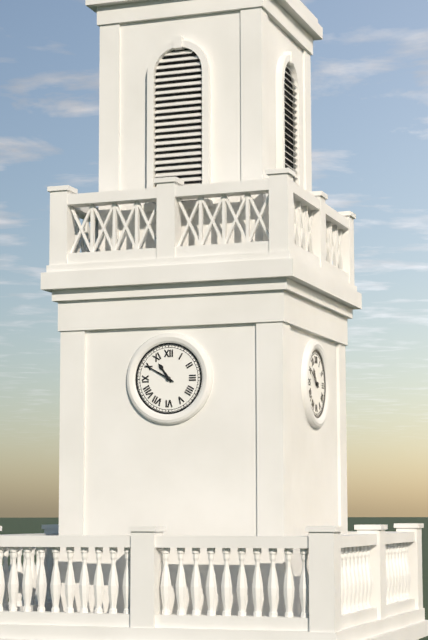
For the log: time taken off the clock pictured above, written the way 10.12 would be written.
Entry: 10.50
